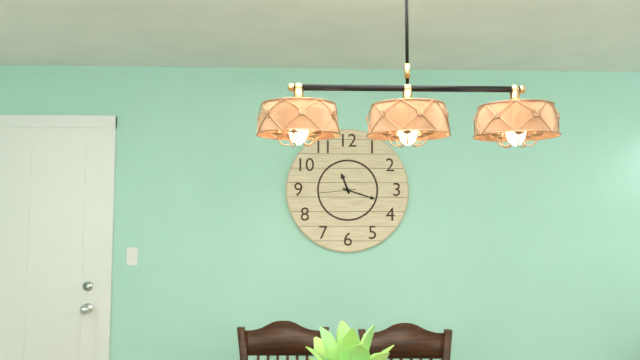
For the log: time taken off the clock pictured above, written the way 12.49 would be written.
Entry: 11.18
